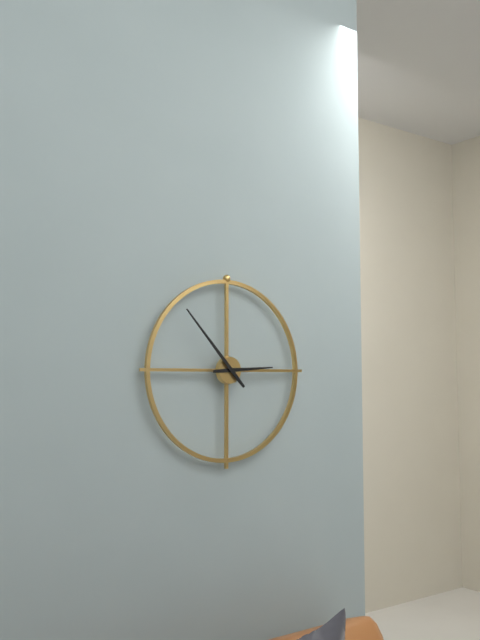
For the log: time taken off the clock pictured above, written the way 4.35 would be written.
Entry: 2.53
